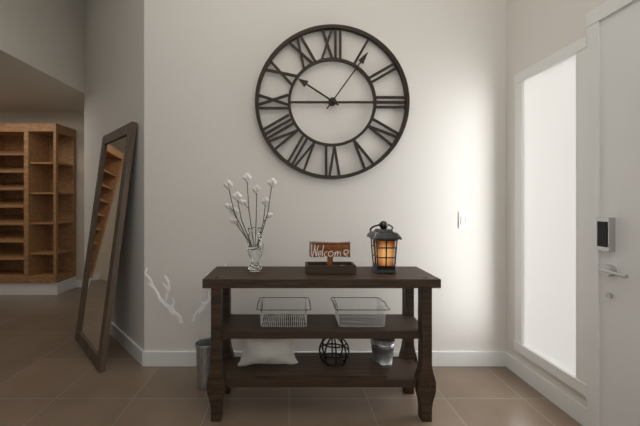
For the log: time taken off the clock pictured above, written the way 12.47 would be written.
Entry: 10.06
